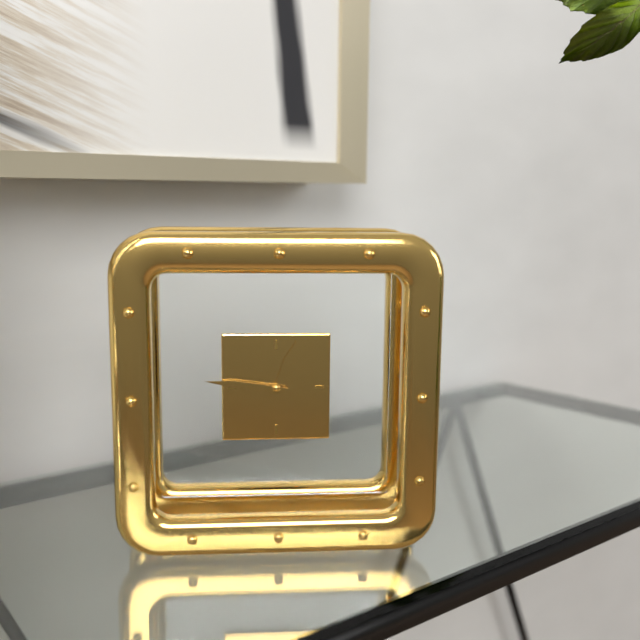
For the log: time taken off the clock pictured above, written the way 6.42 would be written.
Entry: 12.46
